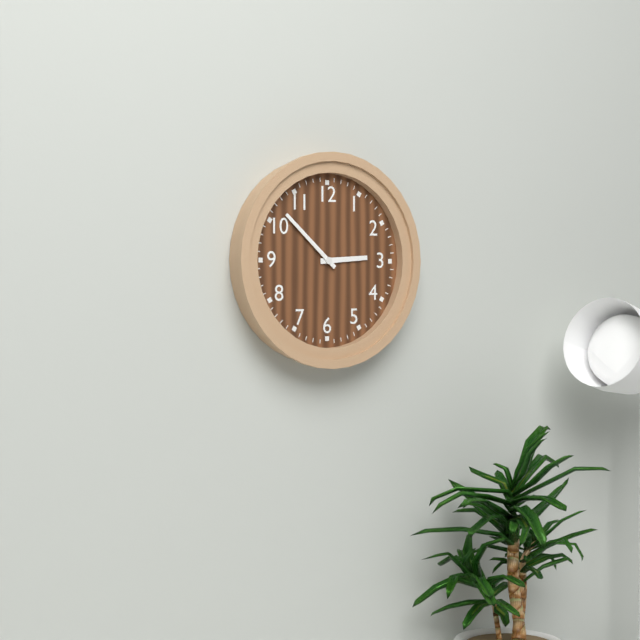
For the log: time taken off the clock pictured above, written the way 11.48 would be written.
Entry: 2.52
